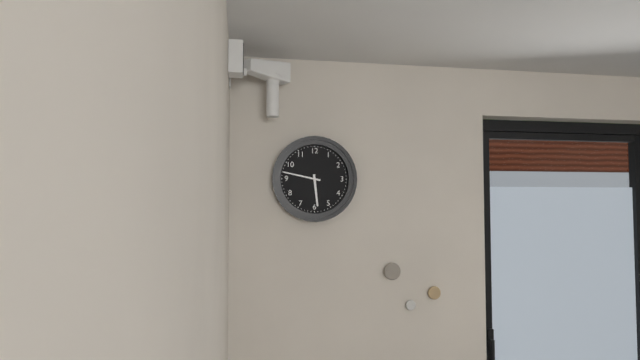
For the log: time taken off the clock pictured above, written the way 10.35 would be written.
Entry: 5.47
